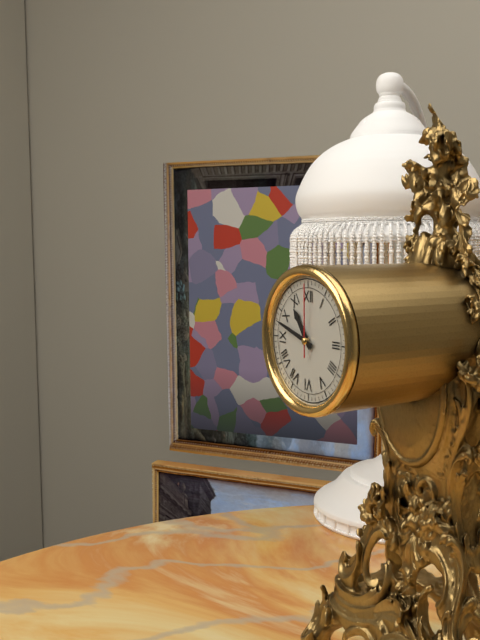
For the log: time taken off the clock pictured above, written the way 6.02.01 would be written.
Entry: 10.48.00
